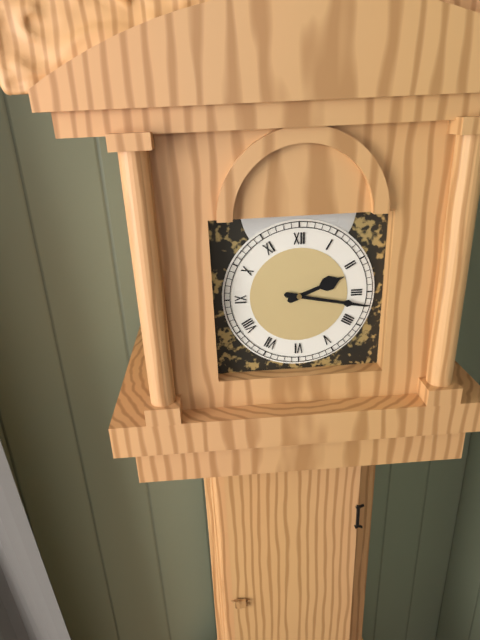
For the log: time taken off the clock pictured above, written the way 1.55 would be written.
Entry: 2.17
